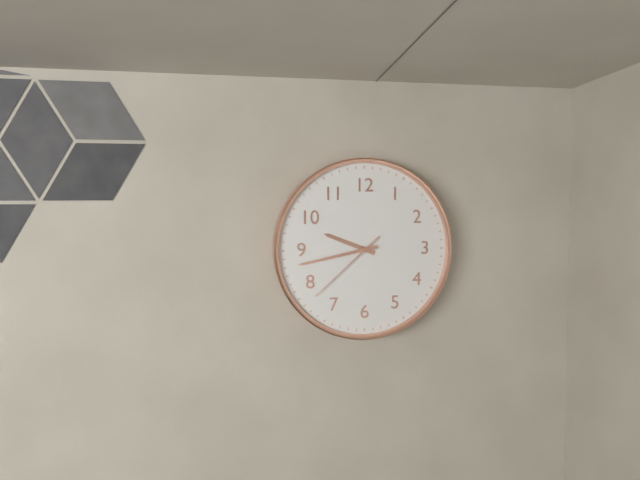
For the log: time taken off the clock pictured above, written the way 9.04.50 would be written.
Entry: 9.43.38
